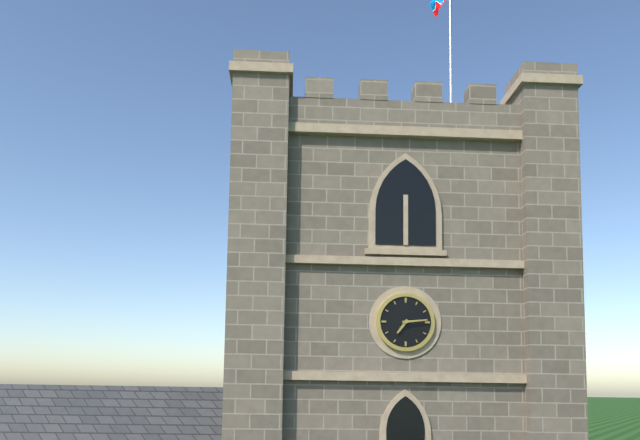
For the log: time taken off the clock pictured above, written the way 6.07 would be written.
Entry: 7.14
